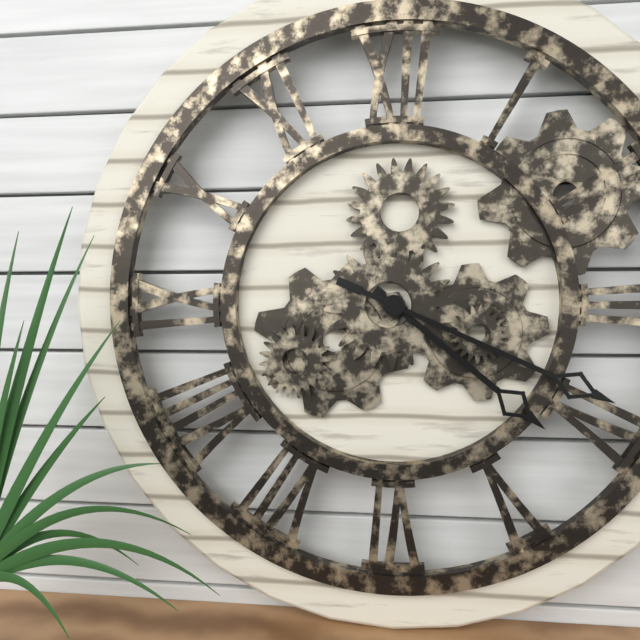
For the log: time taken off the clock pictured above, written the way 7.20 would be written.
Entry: 4.19
